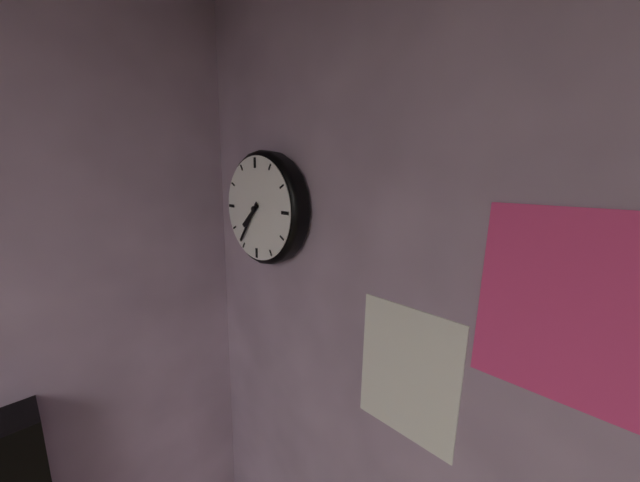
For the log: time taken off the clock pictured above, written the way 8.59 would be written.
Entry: 7.36
